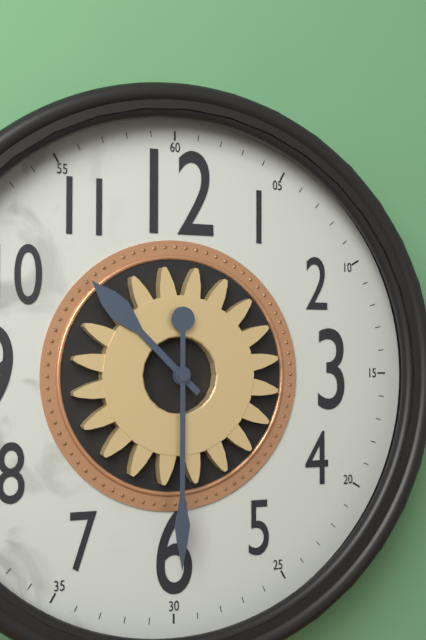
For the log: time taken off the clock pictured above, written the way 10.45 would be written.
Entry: 10.30
